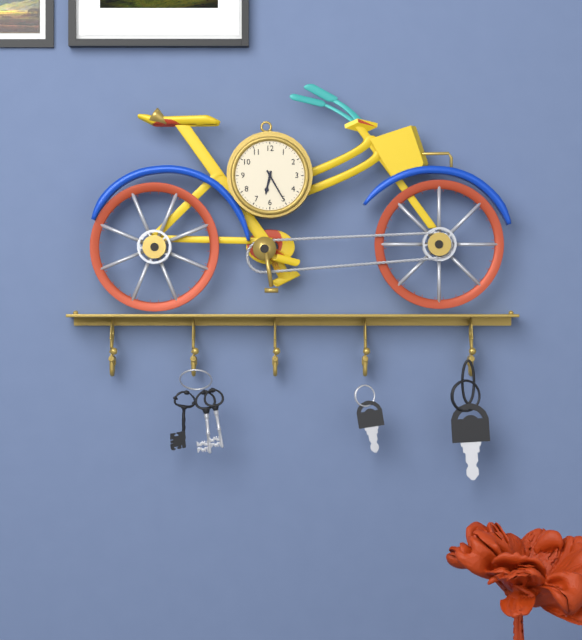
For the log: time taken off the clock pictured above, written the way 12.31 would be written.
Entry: 6.25
